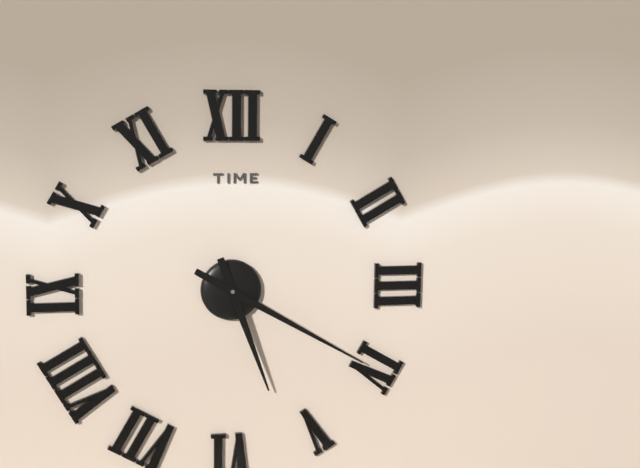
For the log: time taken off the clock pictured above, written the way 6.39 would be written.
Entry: 5.20
